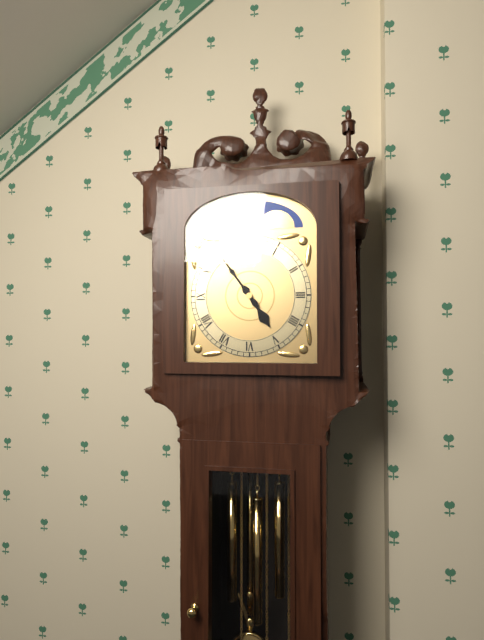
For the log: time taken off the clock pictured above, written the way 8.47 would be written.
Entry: 4.54
